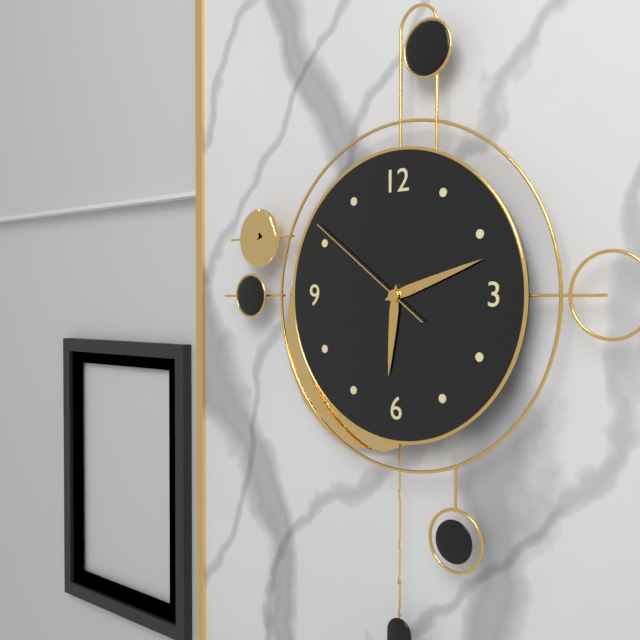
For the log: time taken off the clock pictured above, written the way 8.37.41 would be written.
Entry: 6.12.51
